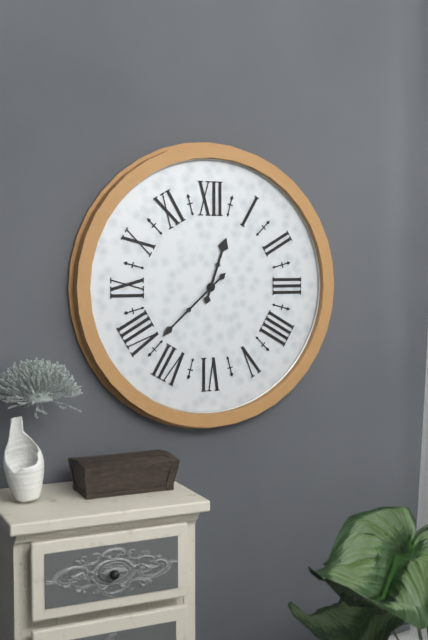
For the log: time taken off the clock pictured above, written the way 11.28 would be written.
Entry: 12.38
